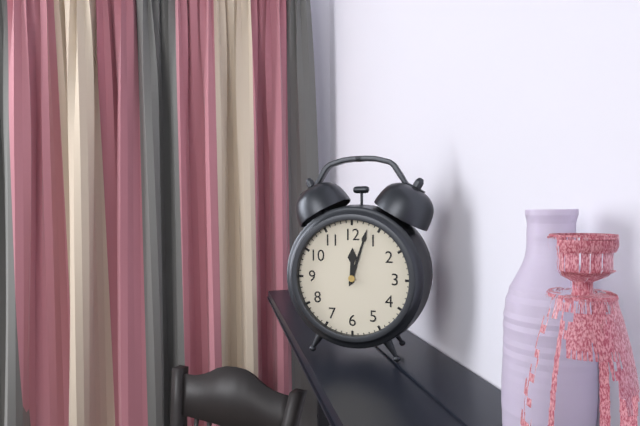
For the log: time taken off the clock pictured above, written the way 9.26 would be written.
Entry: 12.03
